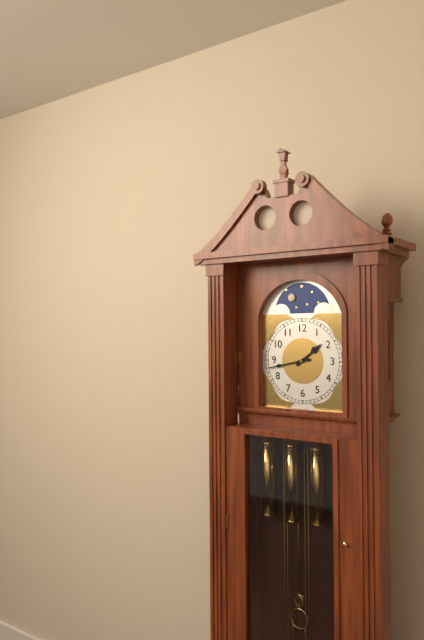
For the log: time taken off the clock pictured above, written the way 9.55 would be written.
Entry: 1.43
